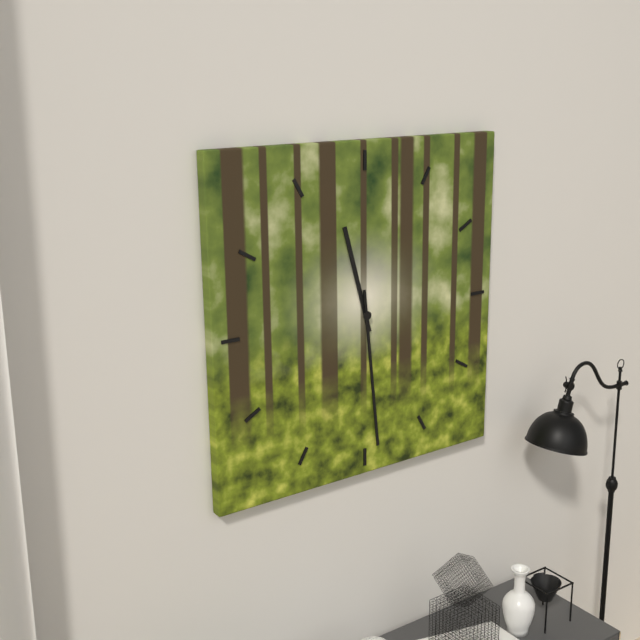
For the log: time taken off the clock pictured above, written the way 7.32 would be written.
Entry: 11.29
